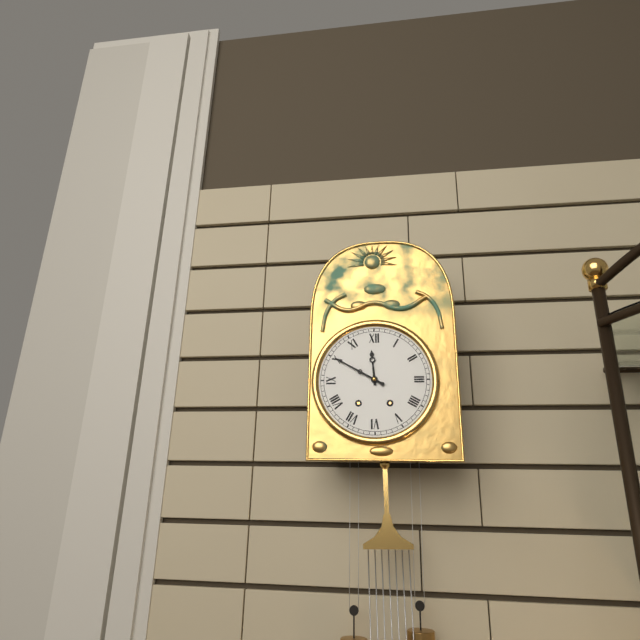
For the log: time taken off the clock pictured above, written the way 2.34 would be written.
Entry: 11.50
